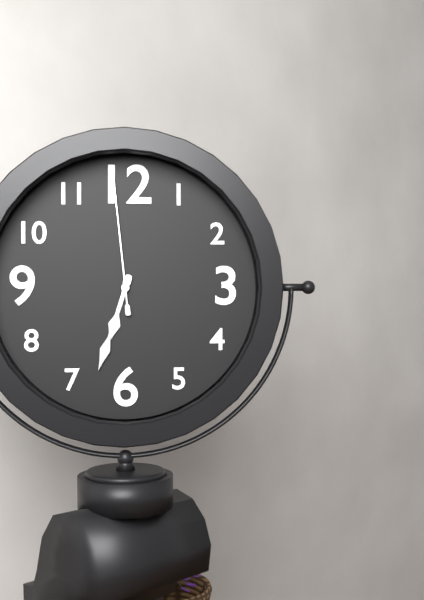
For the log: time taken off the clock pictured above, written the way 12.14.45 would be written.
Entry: 6.33.59
